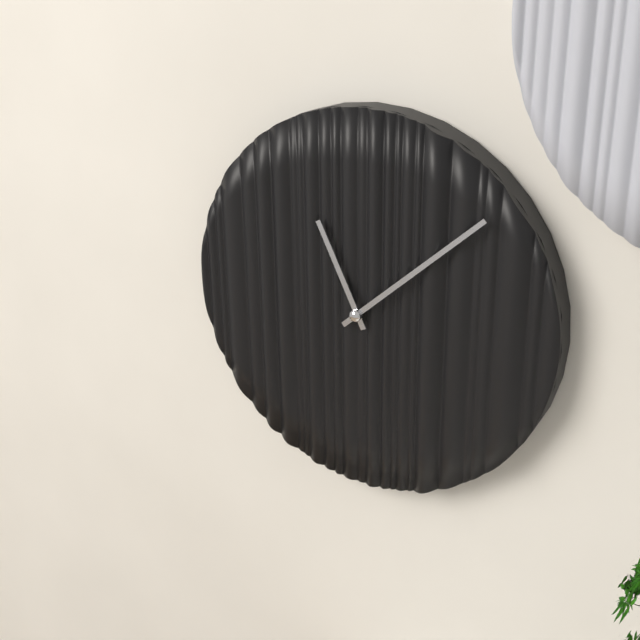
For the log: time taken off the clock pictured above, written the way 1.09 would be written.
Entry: 11.08
